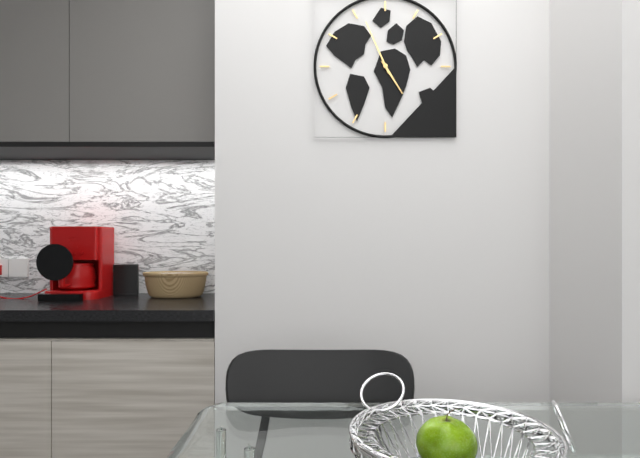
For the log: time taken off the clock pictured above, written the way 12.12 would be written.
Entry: 4.56
